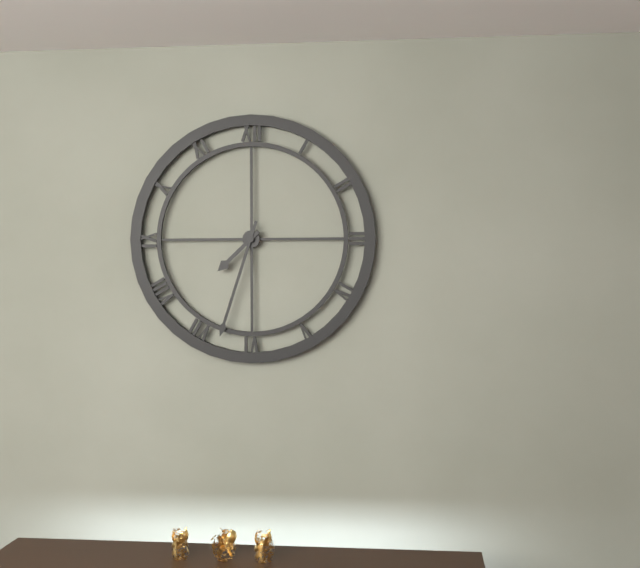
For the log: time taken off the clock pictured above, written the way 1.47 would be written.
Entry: 7.33
